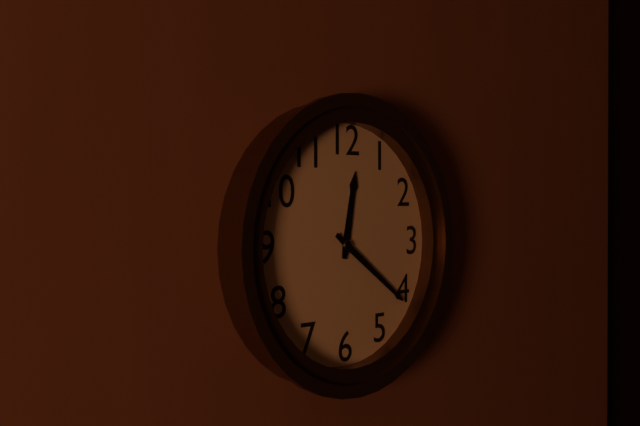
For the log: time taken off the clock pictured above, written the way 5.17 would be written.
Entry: 12.21
